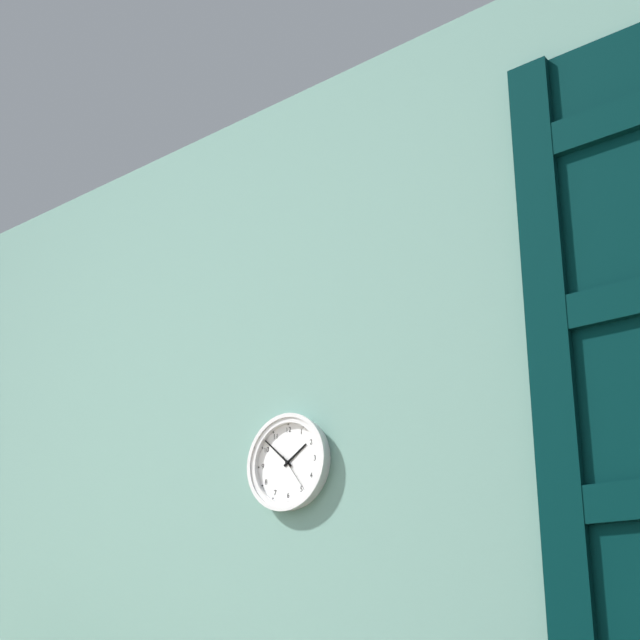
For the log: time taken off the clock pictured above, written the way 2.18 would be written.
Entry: 1.52
